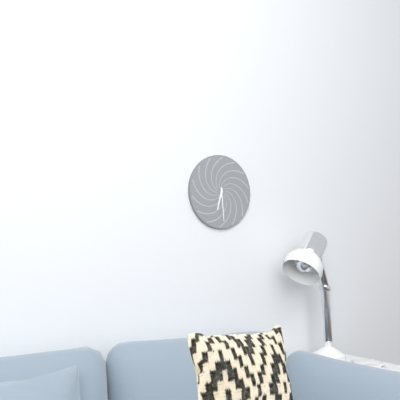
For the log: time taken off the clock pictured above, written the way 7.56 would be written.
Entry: 6.29
